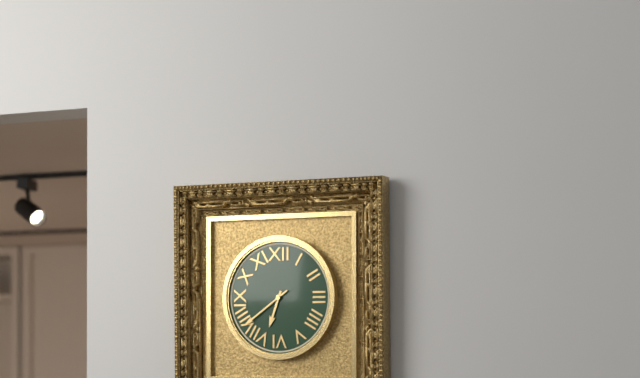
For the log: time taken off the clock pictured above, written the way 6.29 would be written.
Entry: 6.39
